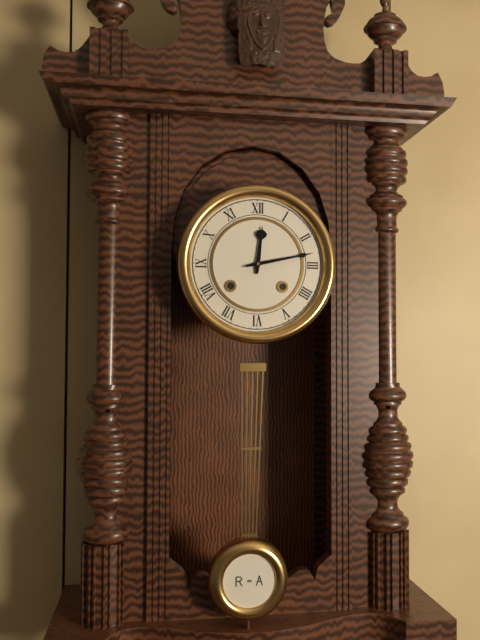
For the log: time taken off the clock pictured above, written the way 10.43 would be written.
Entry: 12.13
